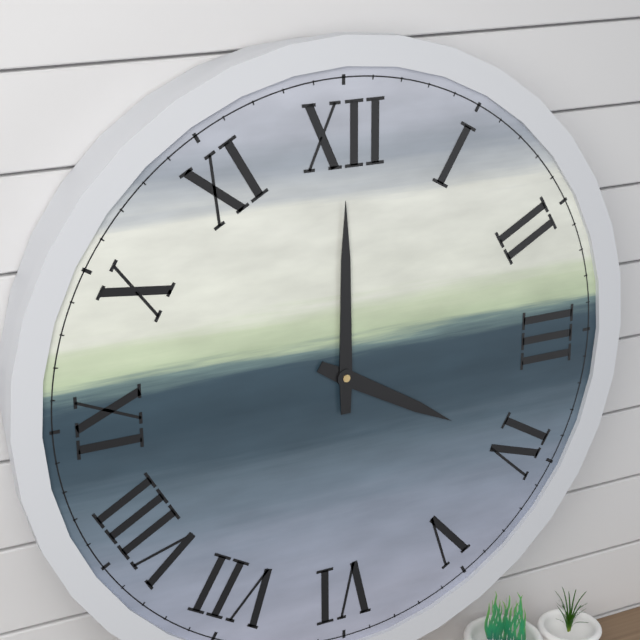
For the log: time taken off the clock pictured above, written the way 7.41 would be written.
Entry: 4.00
